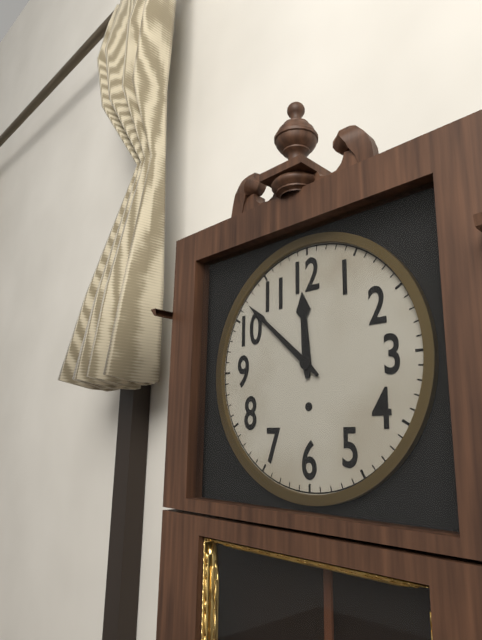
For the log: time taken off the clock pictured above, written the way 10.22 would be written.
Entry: 11.52
